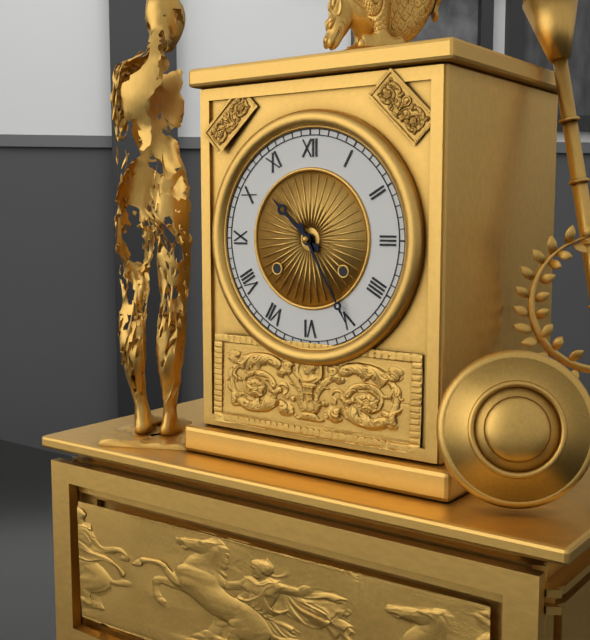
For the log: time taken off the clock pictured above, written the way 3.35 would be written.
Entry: 10.25
